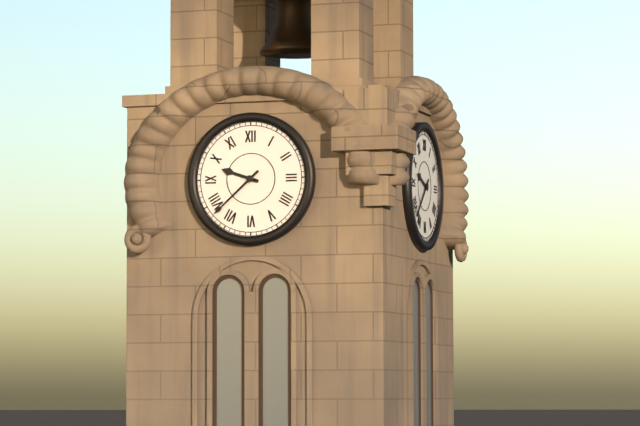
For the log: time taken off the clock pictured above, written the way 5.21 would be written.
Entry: 9.38
